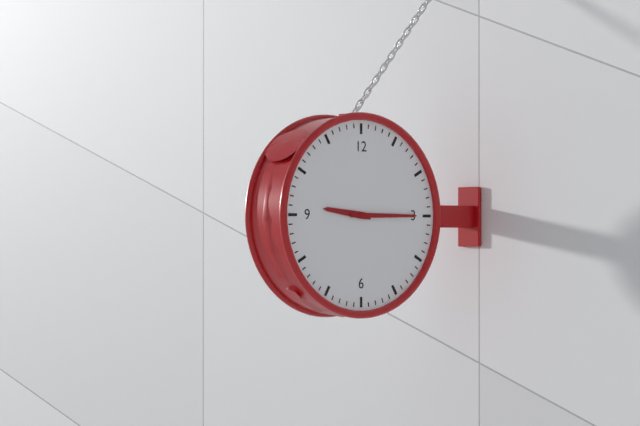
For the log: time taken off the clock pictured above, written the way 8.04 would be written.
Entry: 9.15
